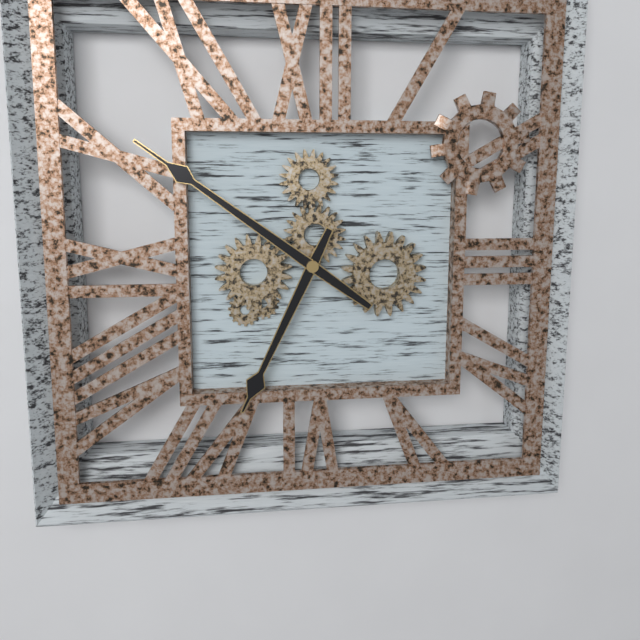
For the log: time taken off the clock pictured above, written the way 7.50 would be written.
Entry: 6.51
